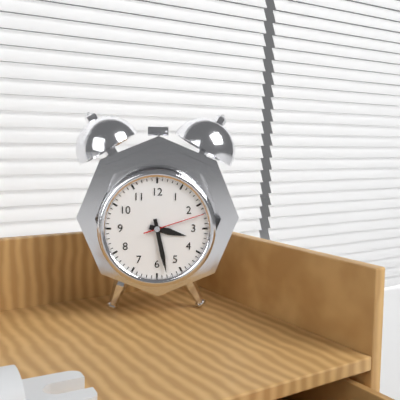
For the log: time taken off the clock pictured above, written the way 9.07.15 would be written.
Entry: 3.28.12
